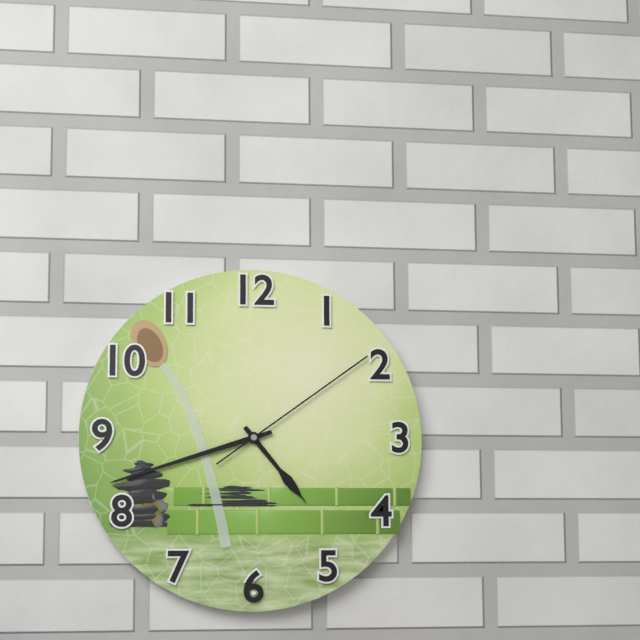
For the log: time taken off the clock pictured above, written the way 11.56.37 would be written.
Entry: 4.42.09
